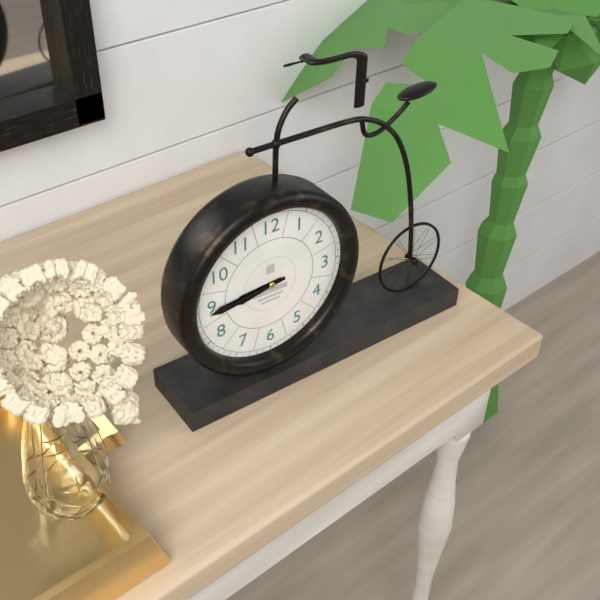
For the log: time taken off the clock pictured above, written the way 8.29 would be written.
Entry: 8.44
